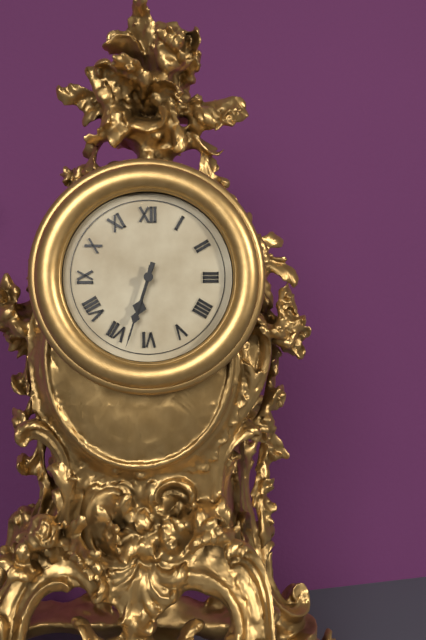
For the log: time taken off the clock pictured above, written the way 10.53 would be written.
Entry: 6.33
